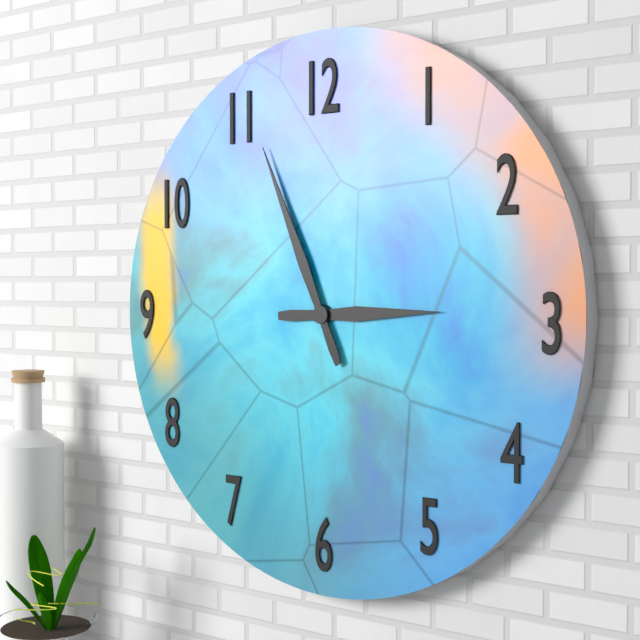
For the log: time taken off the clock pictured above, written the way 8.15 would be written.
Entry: 2.56
